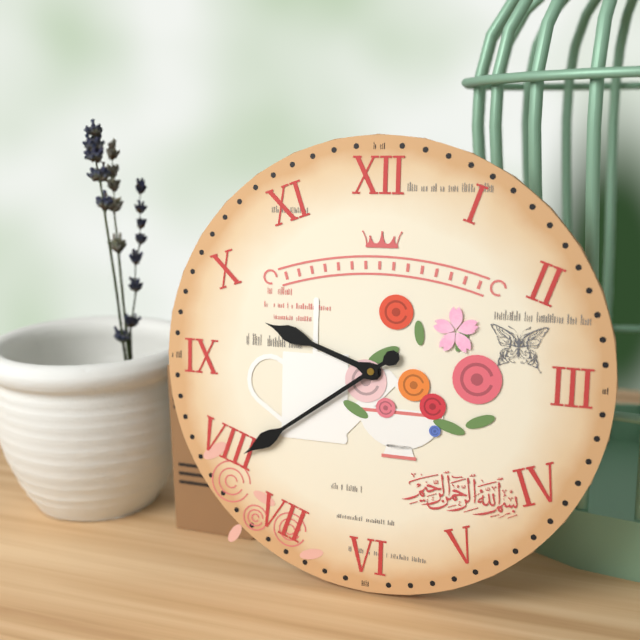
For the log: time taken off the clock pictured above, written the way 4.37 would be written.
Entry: 9.39
